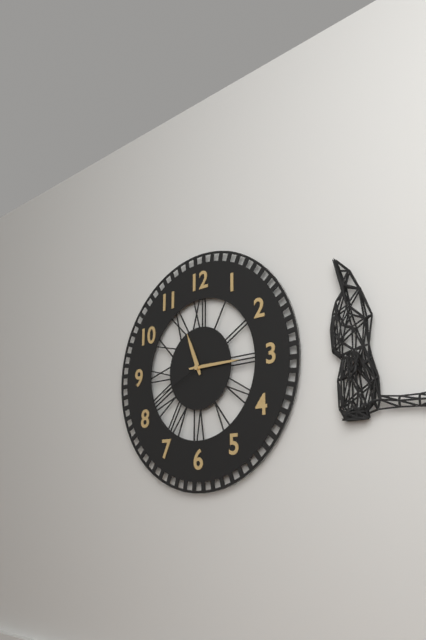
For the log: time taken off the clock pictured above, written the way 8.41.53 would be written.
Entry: 11.15.41
